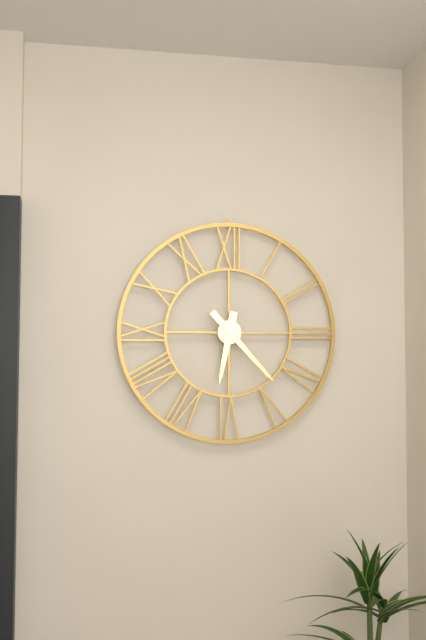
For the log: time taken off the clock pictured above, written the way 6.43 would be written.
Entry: 6.23
